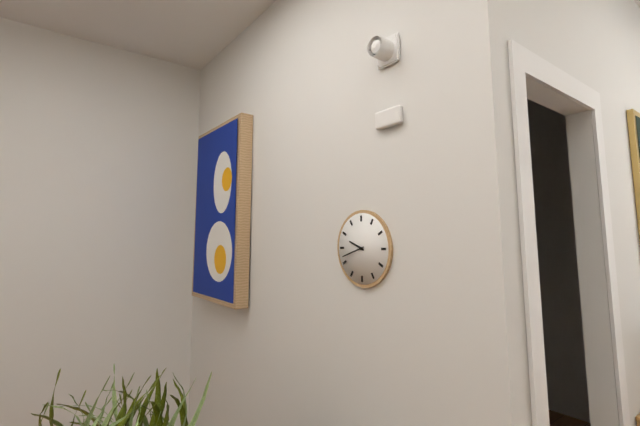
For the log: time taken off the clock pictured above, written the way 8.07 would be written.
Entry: 9.42
